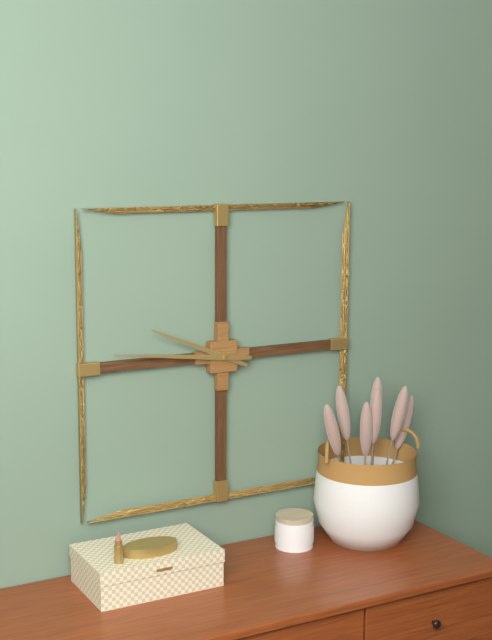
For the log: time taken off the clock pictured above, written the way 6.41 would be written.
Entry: 9.46
